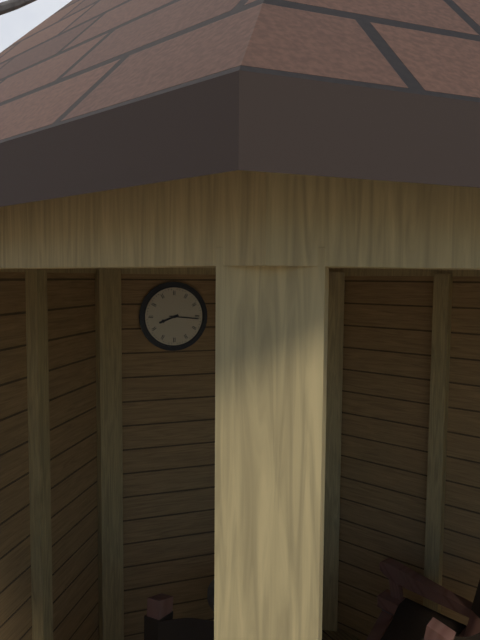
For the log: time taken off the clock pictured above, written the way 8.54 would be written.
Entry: 8.16
